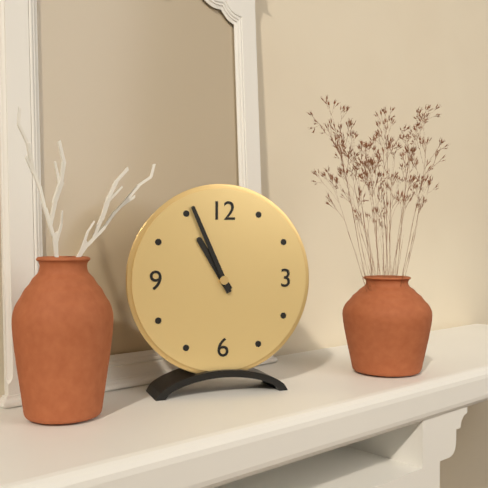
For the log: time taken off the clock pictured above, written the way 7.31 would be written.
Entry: 10.56
